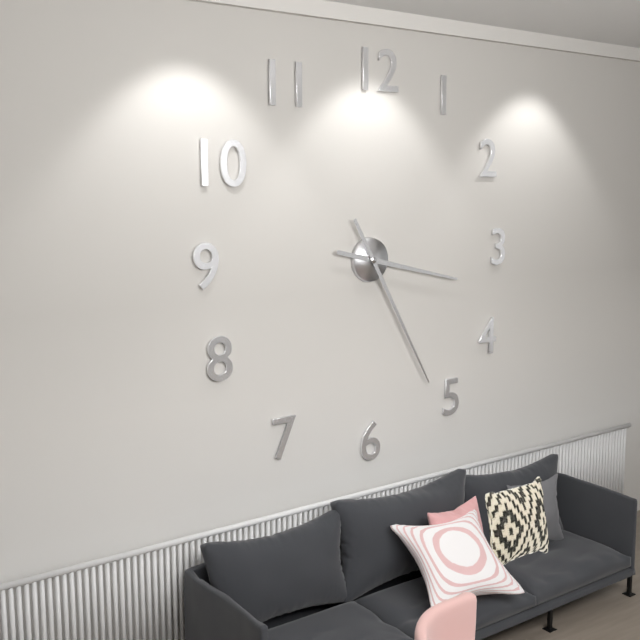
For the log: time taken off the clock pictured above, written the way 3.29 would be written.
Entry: 3.25
